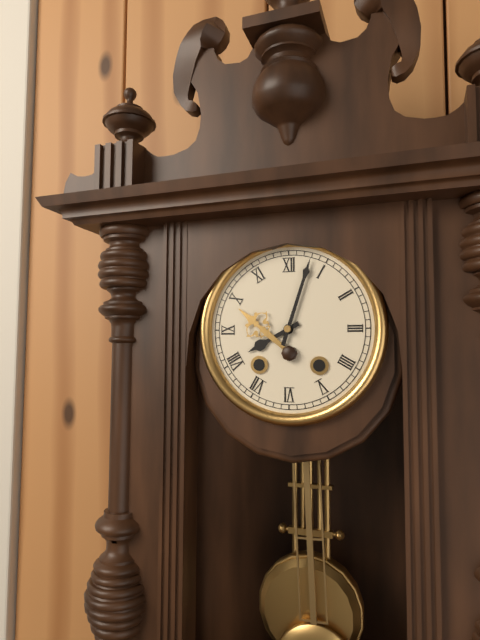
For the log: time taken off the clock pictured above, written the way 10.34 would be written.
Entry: 8.03
